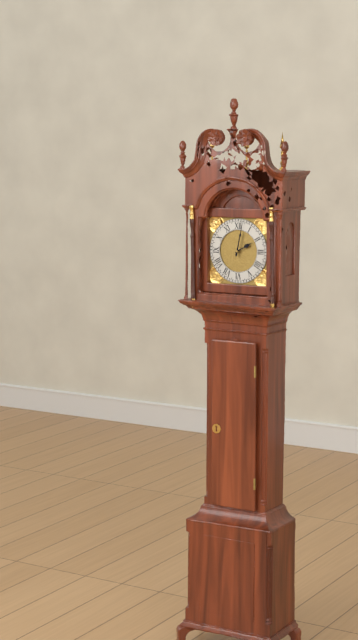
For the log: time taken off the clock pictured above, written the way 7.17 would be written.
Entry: 2.02
